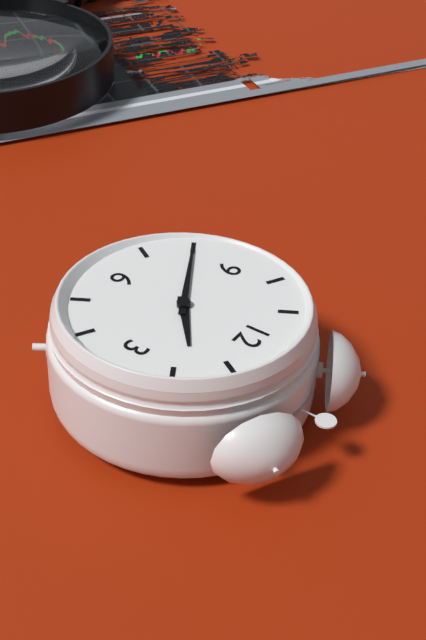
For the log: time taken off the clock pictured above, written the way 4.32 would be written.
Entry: 1.40
